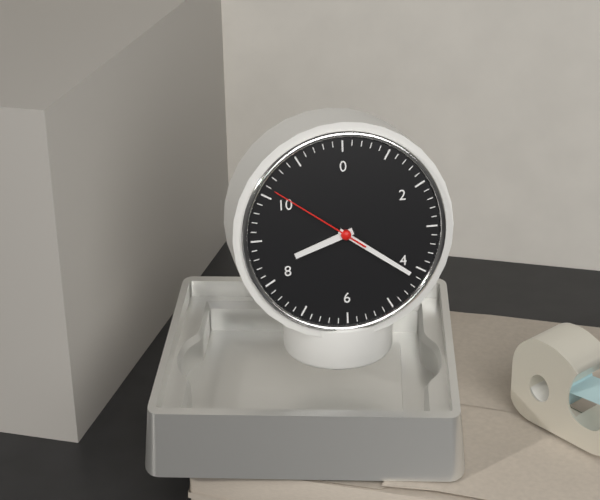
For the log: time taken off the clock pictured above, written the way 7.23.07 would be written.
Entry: 8.21.51
